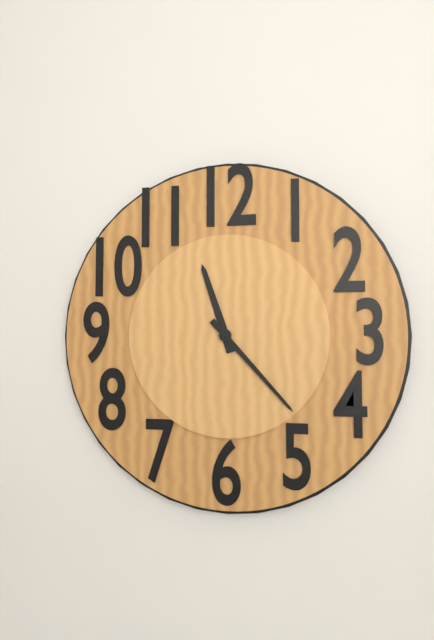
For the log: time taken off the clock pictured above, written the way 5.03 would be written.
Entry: 11.23
